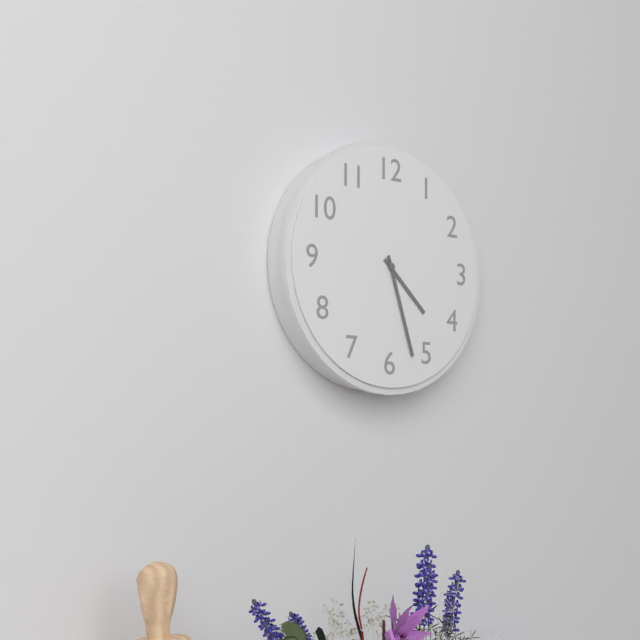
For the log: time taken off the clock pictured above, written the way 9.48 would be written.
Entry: 4.27
